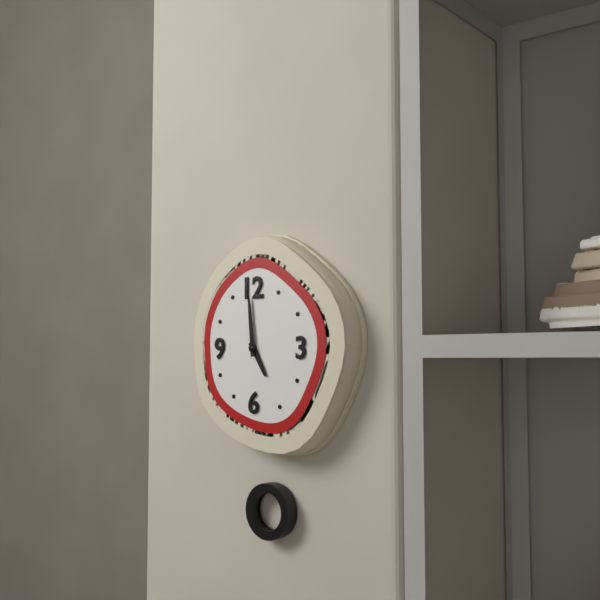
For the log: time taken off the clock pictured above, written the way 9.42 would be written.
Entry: 4.59
